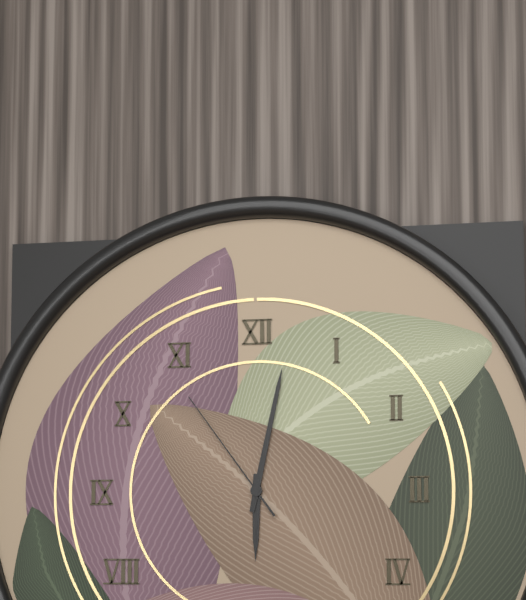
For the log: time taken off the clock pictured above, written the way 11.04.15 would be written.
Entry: 6.02.54
